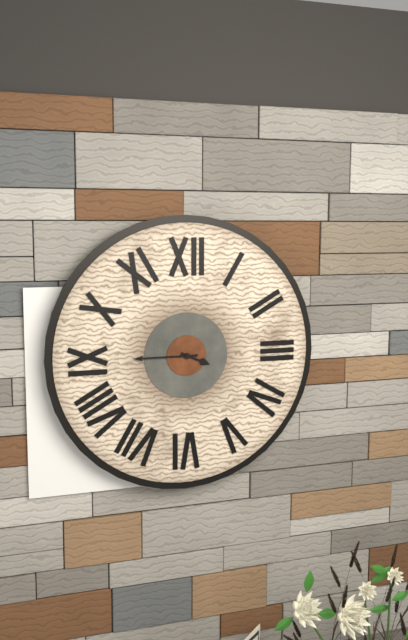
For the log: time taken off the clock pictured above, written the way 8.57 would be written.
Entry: 3.45
